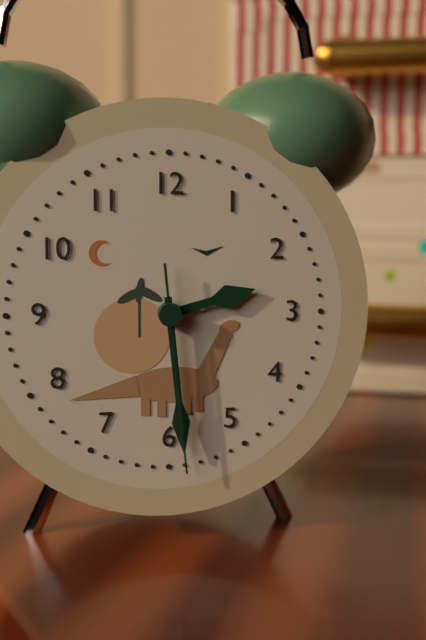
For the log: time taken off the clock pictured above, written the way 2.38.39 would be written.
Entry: 2.29.29
